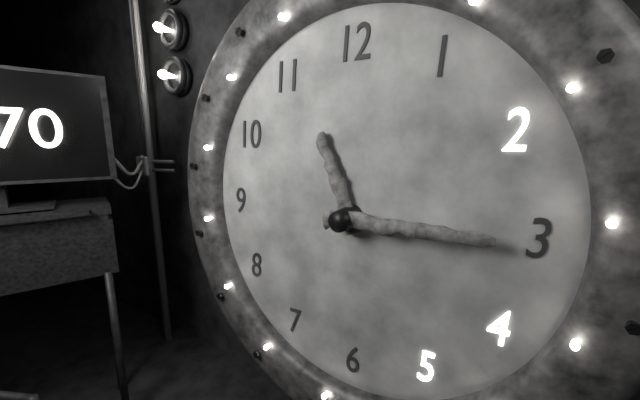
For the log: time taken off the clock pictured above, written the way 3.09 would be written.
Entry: 11.15
